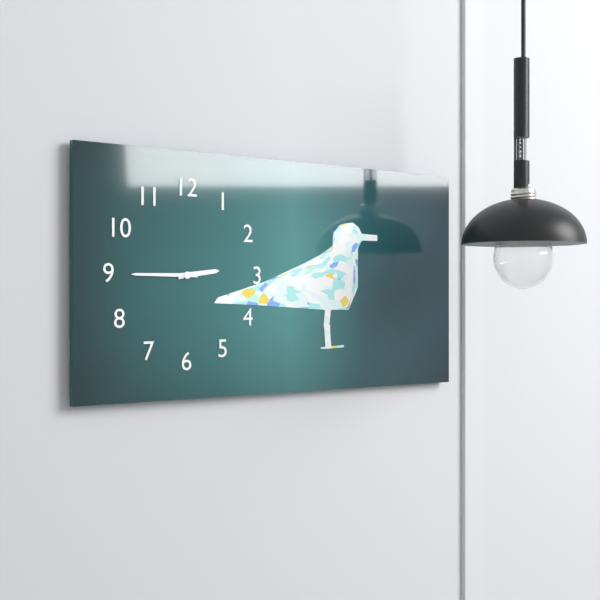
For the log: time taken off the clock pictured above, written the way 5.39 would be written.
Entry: 2.45
